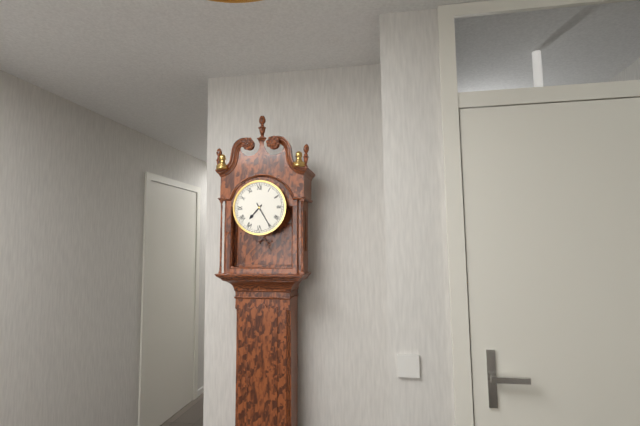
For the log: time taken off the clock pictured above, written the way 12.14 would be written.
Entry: 7.25
